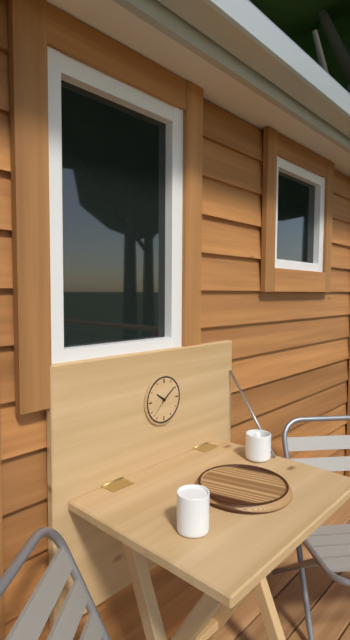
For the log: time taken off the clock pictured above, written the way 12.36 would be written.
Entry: 10.09
